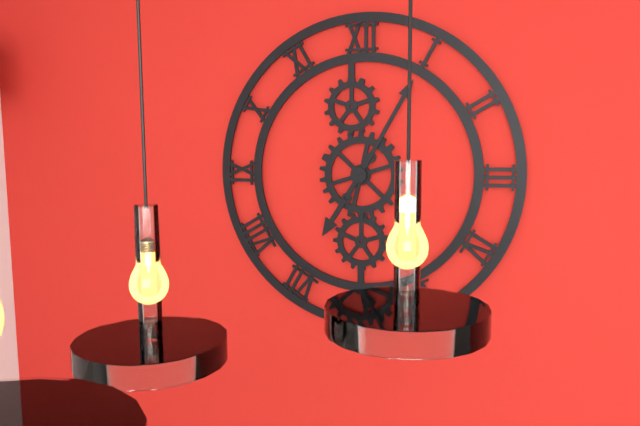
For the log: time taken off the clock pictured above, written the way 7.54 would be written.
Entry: 7.05
